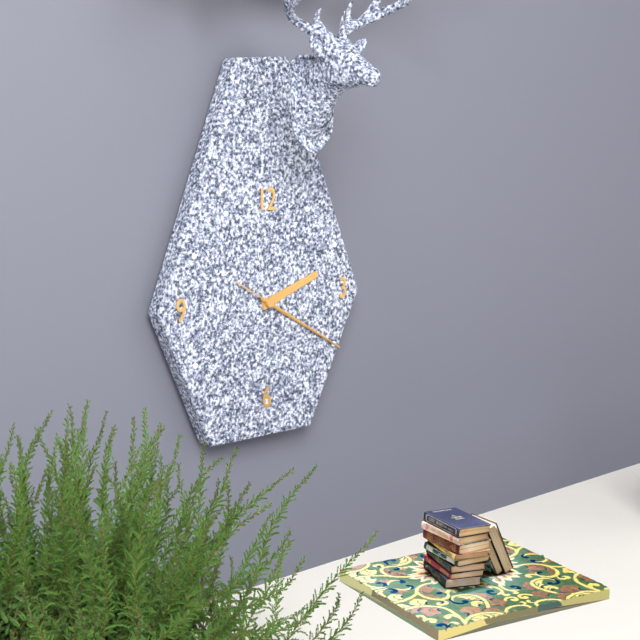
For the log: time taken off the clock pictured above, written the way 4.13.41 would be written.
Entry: 2.20.20
